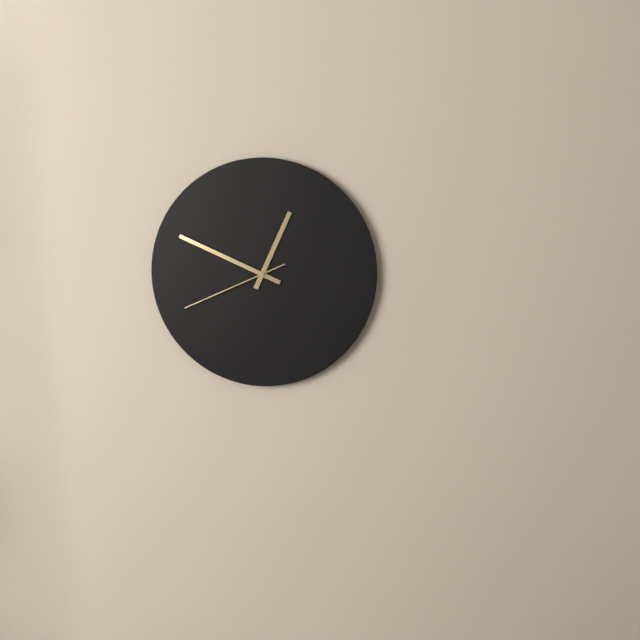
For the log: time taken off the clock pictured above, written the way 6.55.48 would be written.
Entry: 12.49.41
